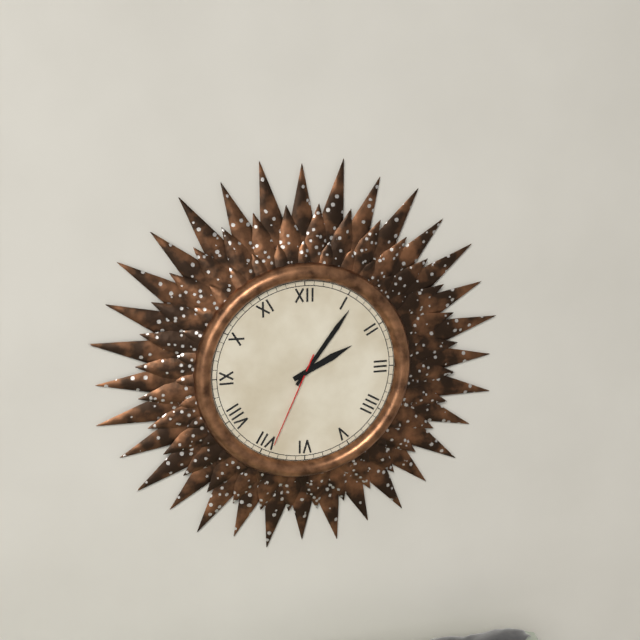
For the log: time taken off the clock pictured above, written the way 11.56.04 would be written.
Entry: 2.06.34
